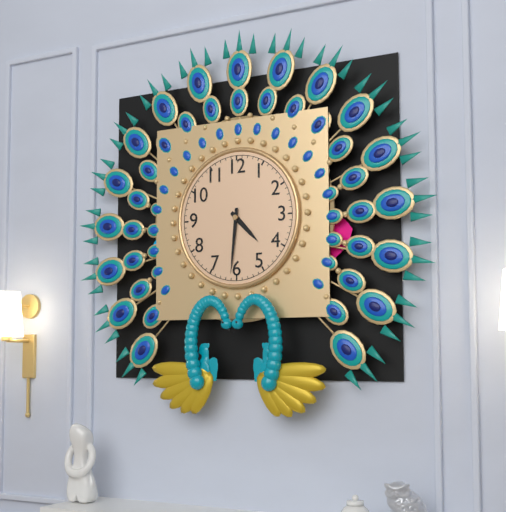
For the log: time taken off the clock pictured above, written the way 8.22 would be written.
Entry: 4.31
